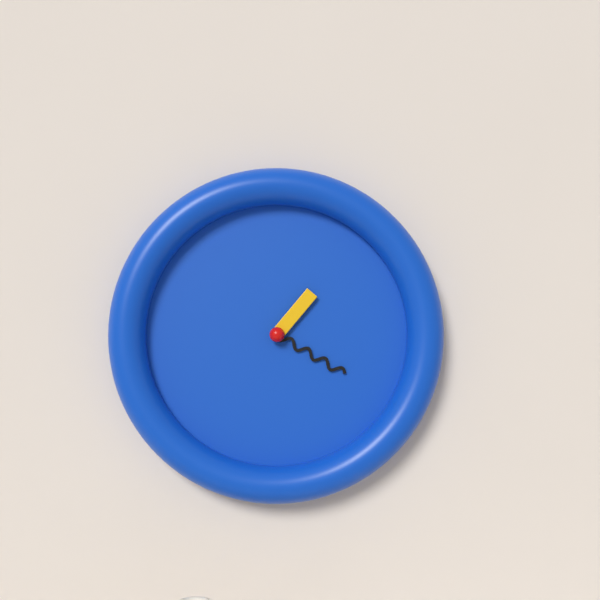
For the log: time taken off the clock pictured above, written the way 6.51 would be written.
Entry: 1.20
